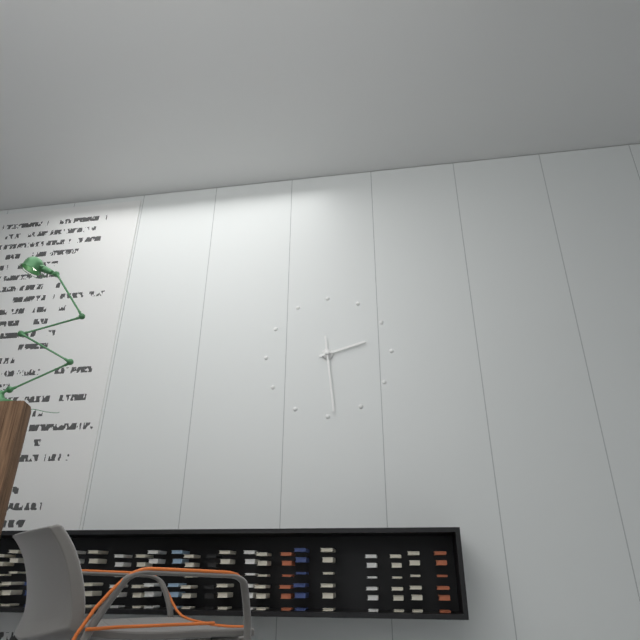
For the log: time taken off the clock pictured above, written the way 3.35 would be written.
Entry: 2.29
